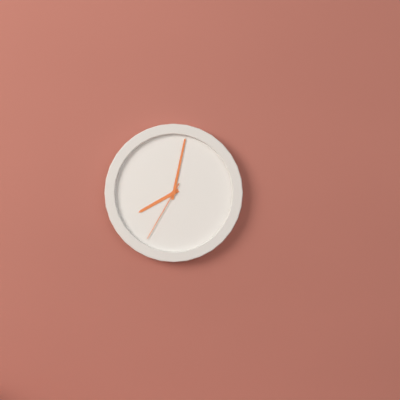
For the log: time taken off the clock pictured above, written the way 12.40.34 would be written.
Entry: 8.02.35
